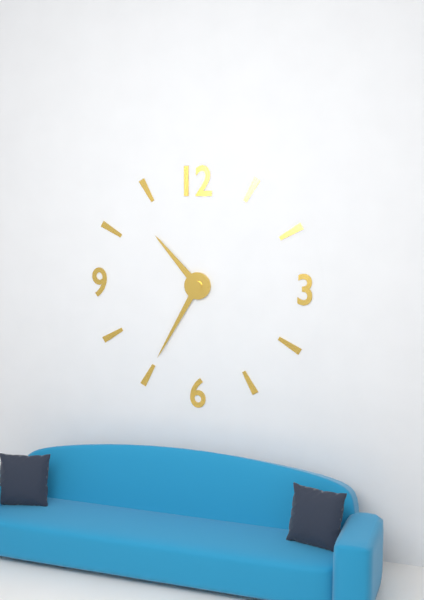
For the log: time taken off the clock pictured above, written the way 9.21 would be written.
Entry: 10.35
